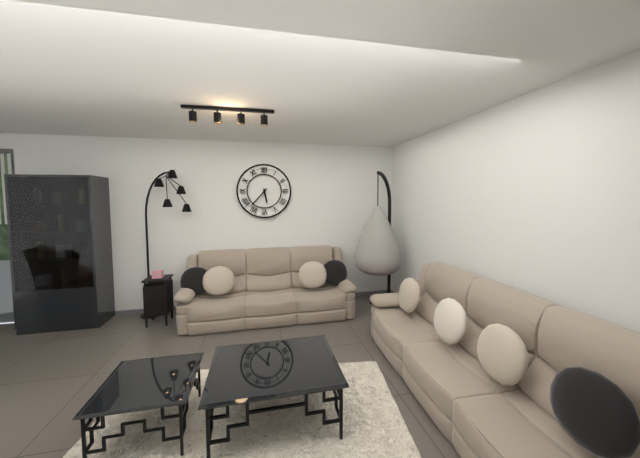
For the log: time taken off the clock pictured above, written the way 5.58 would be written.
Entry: 5.37
